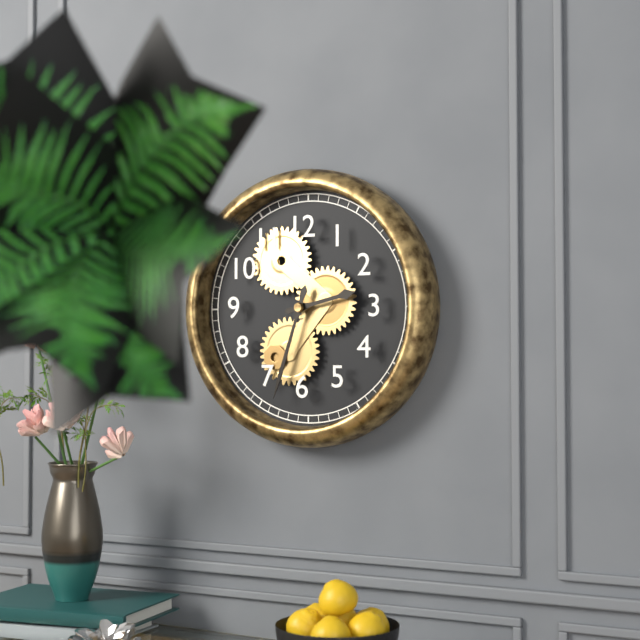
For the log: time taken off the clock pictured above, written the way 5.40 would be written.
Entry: 2.33
